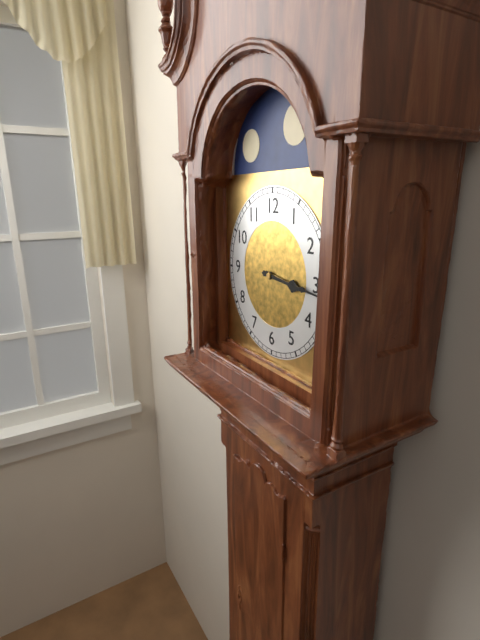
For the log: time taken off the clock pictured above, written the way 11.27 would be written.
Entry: 3.16
